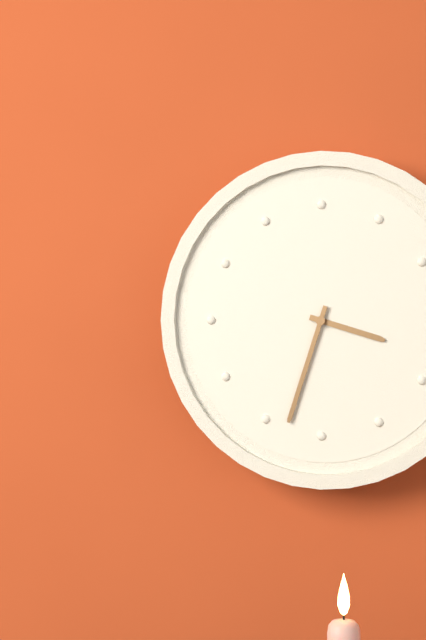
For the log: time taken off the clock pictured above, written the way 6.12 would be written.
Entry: 3.33
